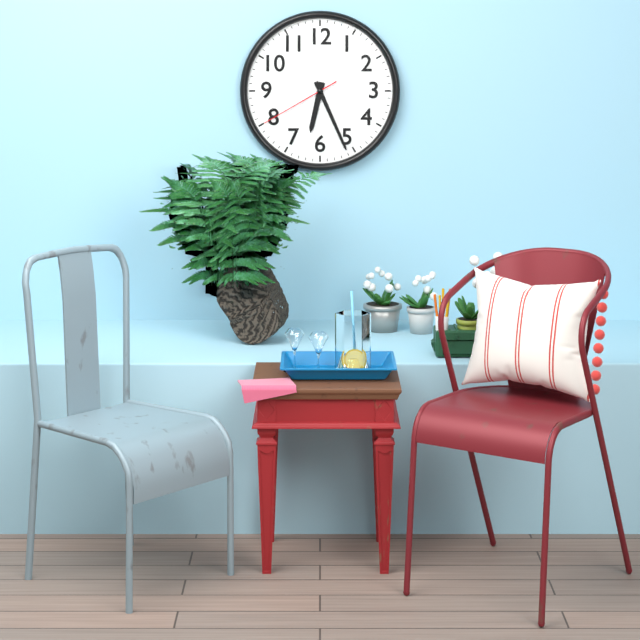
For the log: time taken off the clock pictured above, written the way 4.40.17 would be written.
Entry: 6.26.40
